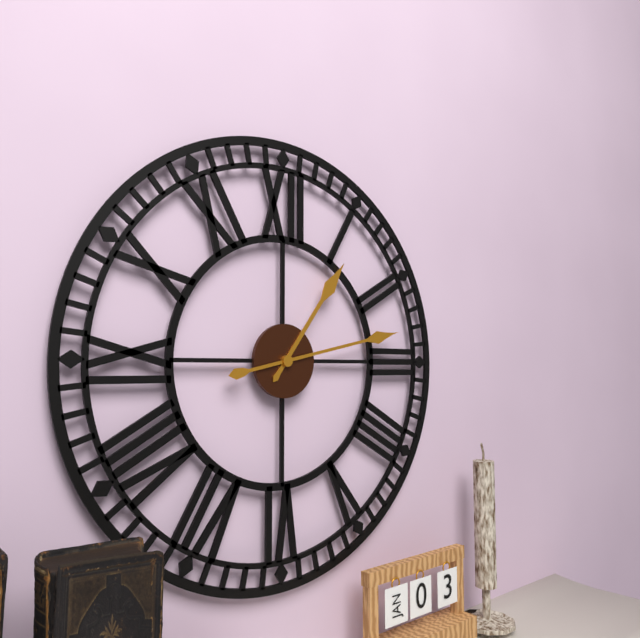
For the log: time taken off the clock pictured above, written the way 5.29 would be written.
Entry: 1.13
